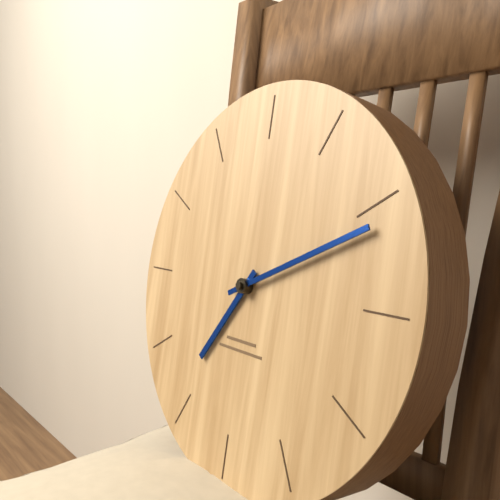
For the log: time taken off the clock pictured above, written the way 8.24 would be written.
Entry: 7.11
